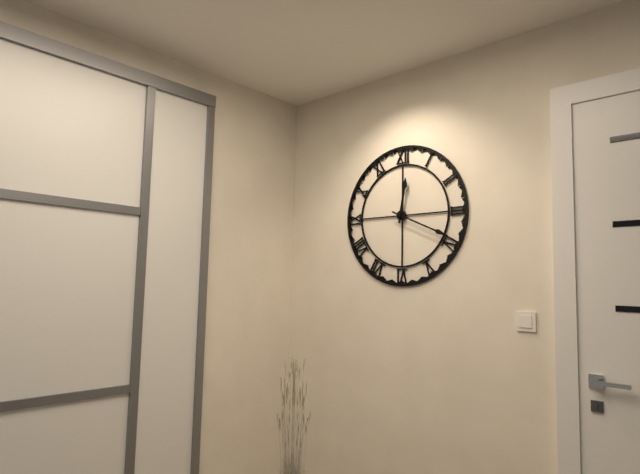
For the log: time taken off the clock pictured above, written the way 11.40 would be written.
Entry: 12.19
